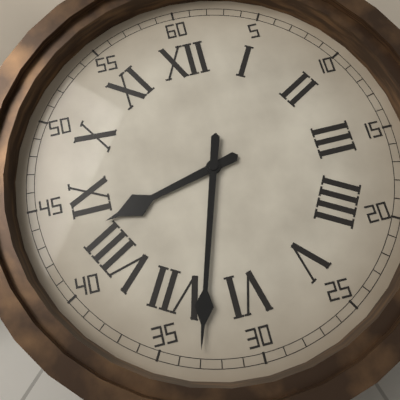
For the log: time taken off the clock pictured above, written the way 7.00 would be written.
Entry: 8.33
